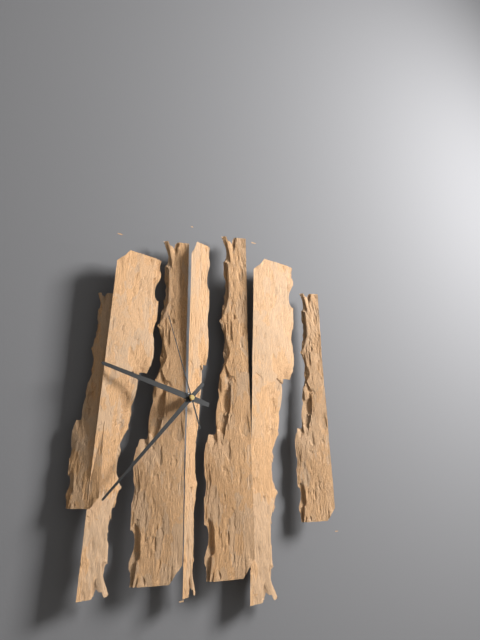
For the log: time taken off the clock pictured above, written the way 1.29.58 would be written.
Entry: 9.37.57
